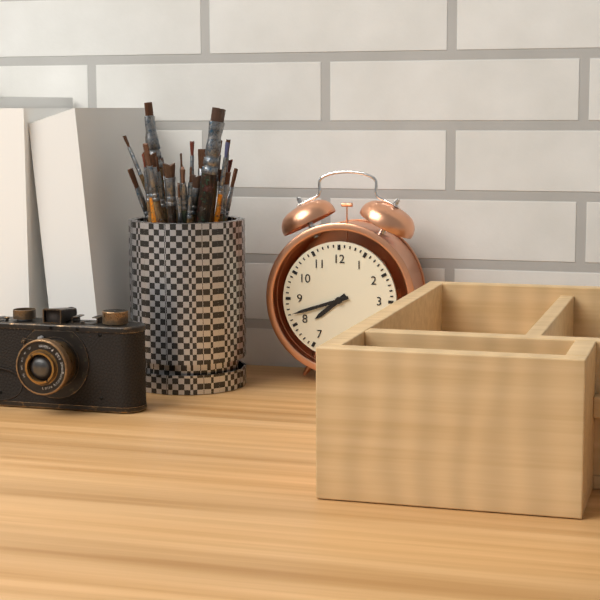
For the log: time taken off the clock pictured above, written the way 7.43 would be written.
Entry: 7.42
